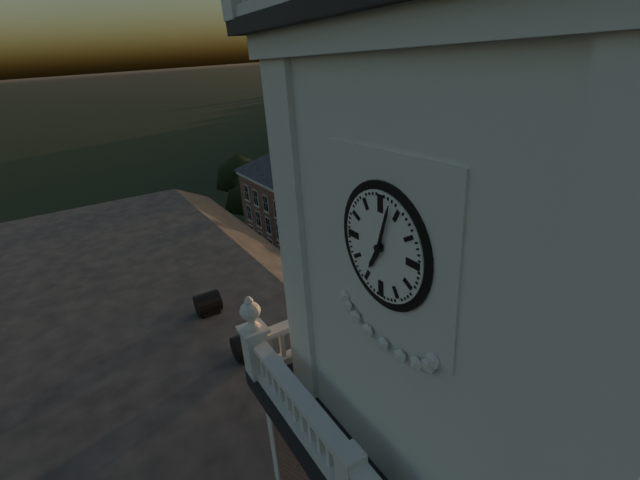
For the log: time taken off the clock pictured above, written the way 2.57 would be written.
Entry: 7.03
